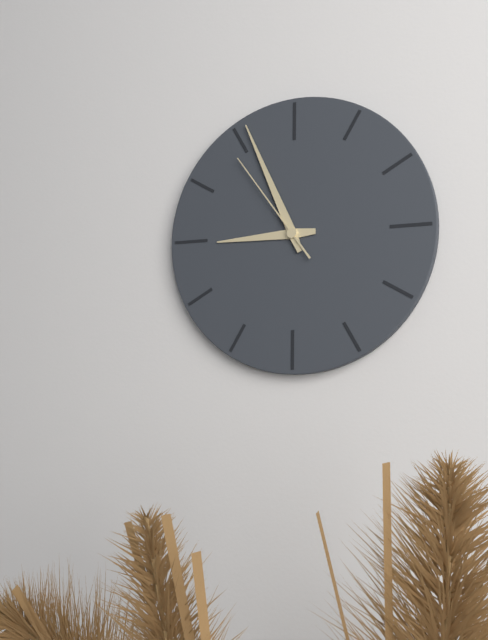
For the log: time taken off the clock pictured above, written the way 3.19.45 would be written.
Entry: 8.56.54
